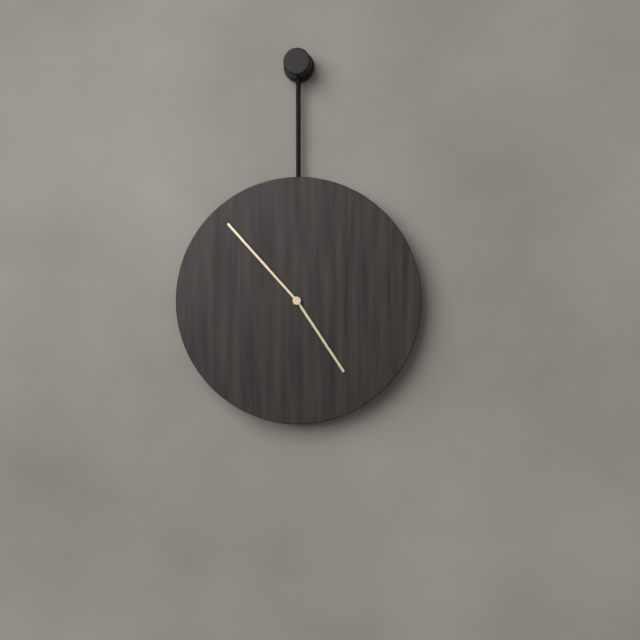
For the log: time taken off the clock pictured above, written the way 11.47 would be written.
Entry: 4.53
